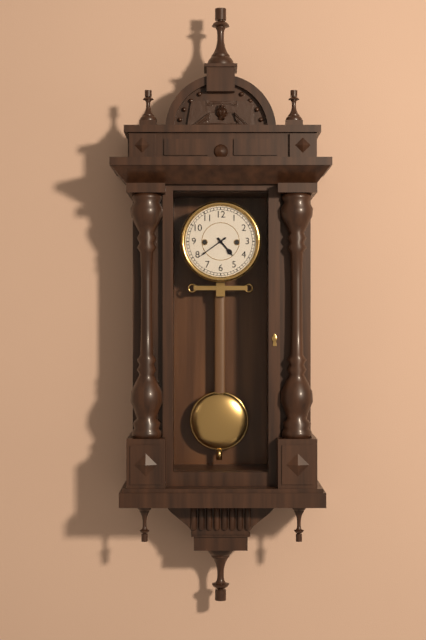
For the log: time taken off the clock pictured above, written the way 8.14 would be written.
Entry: 4.39
